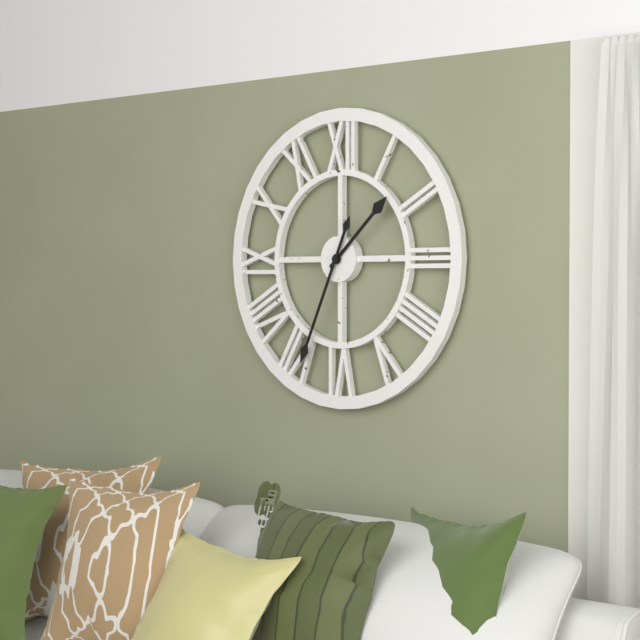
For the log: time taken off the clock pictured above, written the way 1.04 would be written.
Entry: 1.34
